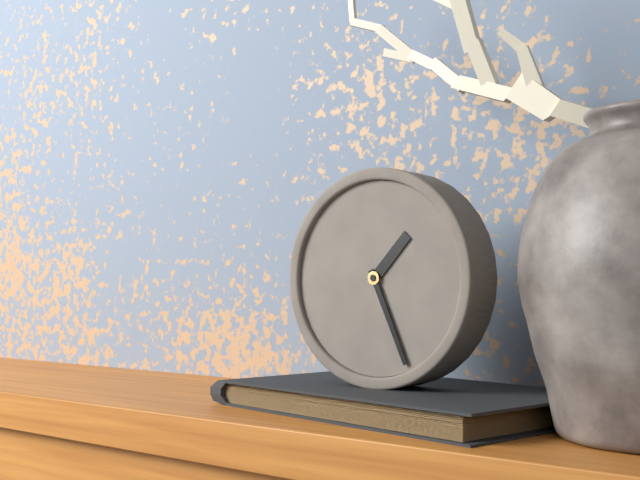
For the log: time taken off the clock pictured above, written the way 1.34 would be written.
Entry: 1.26
